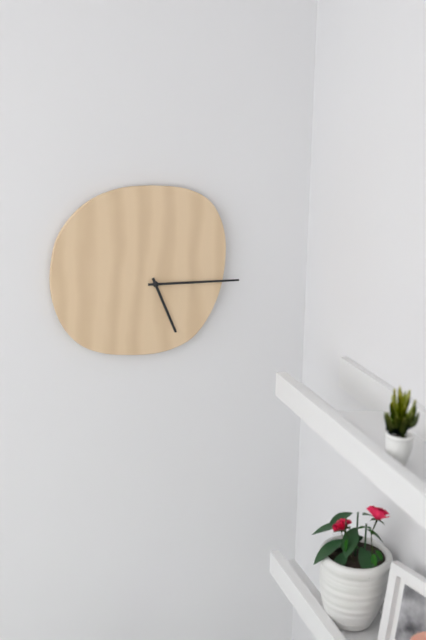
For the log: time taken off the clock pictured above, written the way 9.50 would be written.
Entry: 5.15
